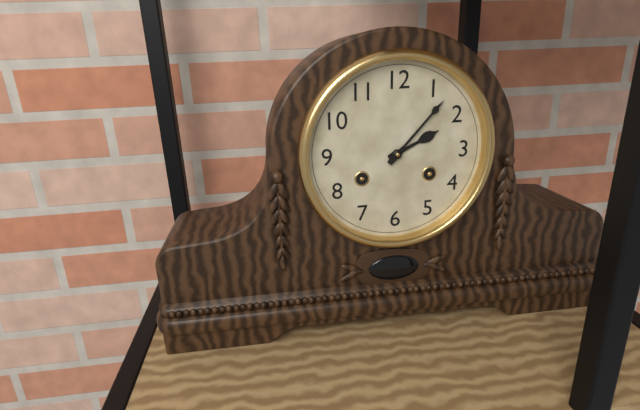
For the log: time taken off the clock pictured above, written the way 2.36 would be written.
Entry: 2.07
